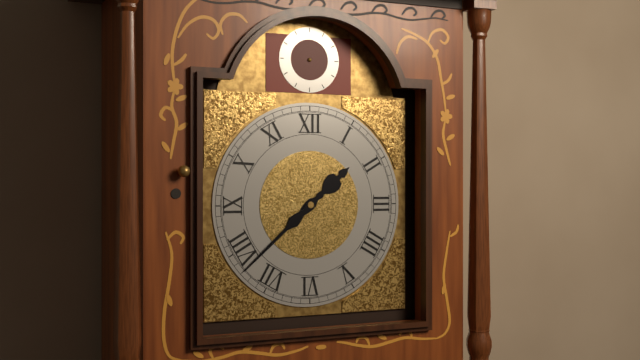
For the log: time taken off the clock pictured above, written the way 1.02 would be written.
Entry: 1.38
